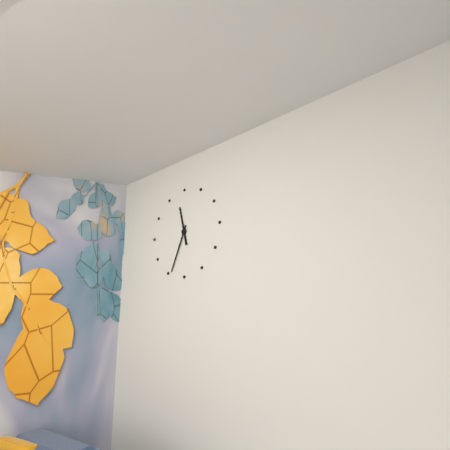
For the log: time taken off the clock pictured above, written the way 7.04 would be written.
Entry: 11.34
